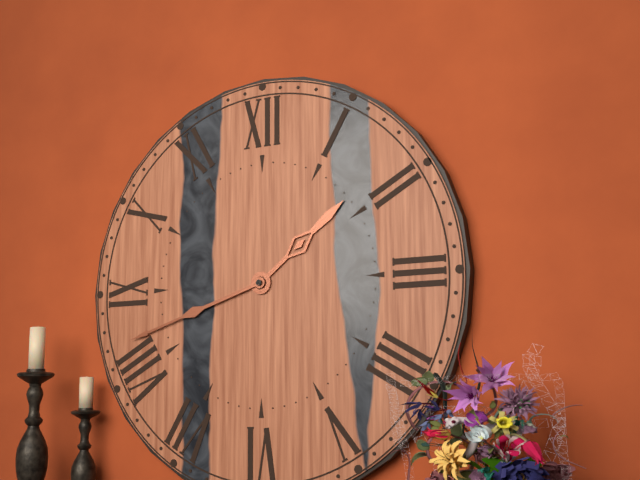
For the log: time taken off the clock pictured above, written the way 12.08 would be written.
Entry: 1.42
